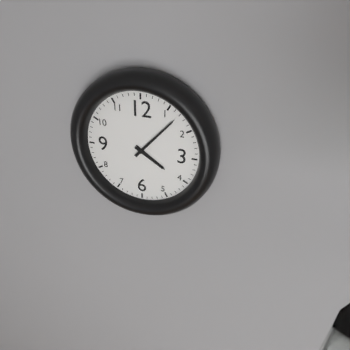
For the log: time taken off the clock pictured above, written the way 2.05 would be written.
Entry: 4.07
